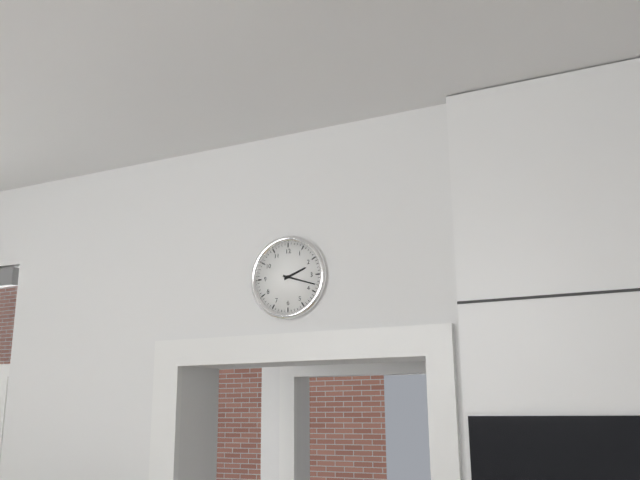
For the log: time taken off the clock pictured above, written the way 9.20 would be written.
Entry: 2.18
